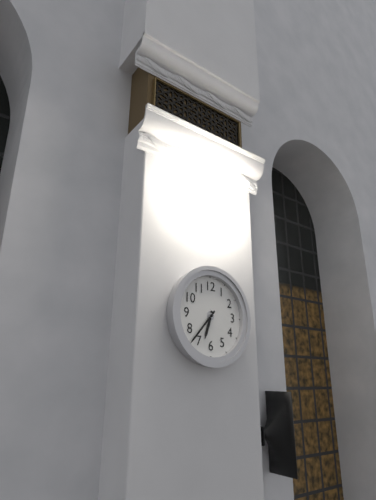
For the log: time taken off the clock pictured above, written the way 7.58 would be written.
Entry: 6.37
